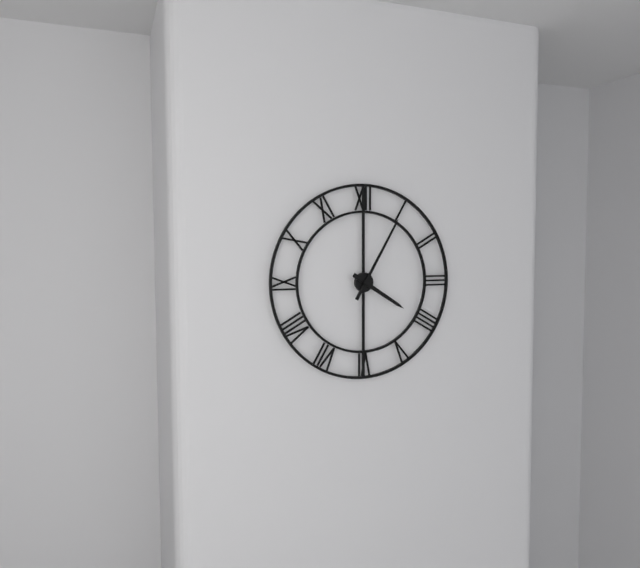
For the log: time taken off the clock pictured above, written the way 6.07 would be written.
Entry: 4.05
